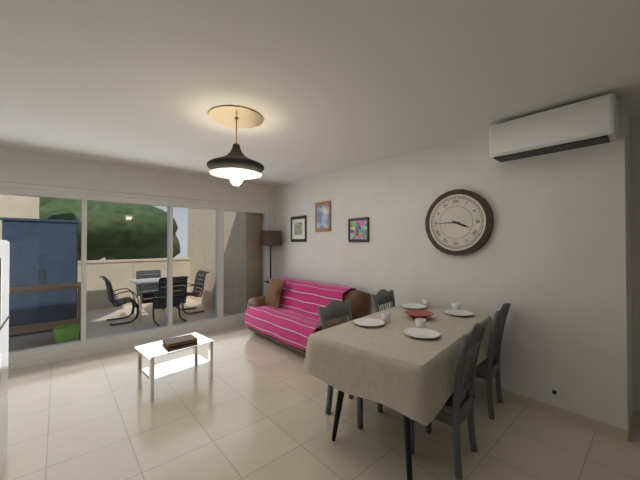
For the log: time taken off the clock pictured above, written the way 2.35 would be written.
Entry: 3.45
